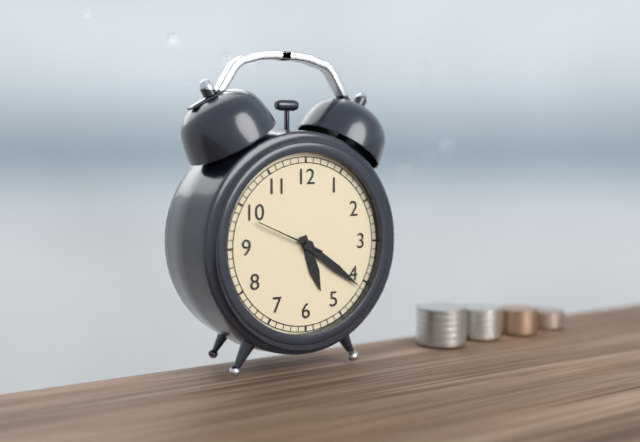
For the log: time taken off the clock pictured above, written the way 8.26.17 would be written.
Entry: 5.21.49
